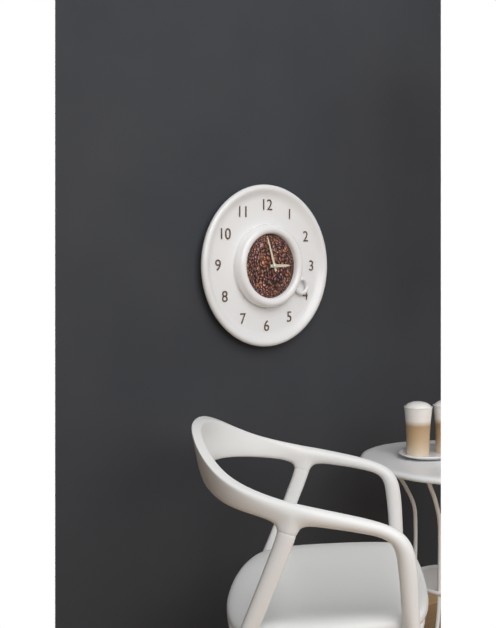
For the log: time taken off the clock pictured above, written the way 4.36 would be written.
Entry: 2.57
